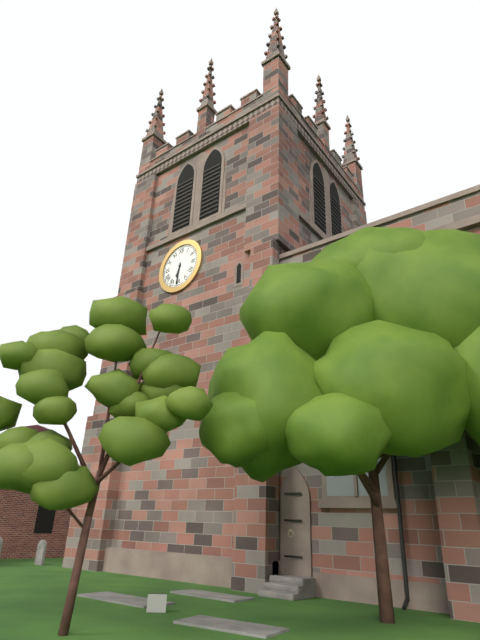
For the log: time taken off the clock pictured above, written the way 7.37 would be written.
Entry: 6.31
